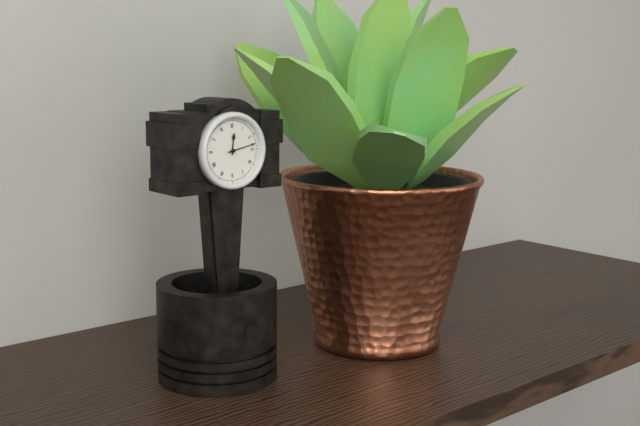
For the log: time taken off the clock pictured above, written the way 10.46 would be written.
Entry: 12.13
